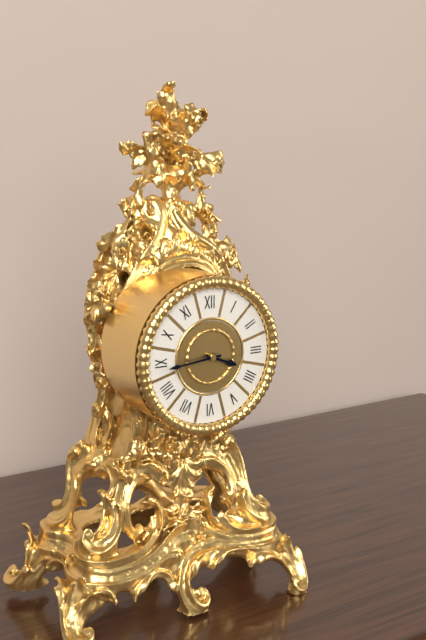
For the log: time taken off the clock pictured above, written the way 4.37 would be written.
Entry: 3.44
